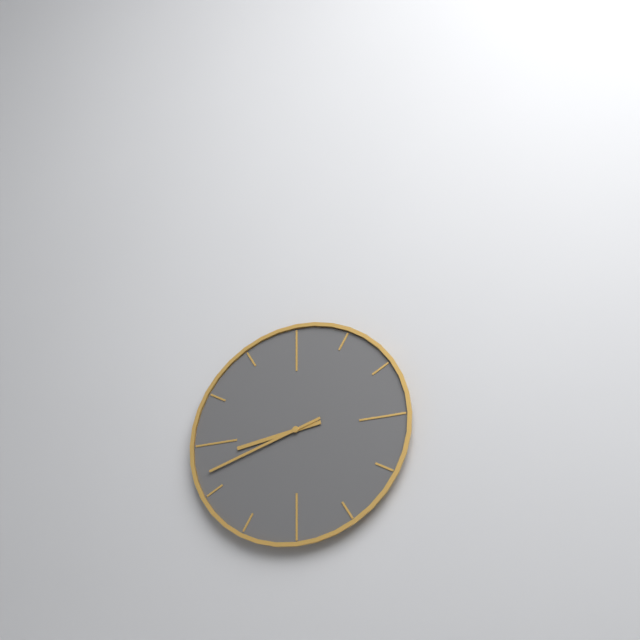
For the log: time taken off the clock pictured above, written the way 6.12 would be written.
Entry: 8.42
